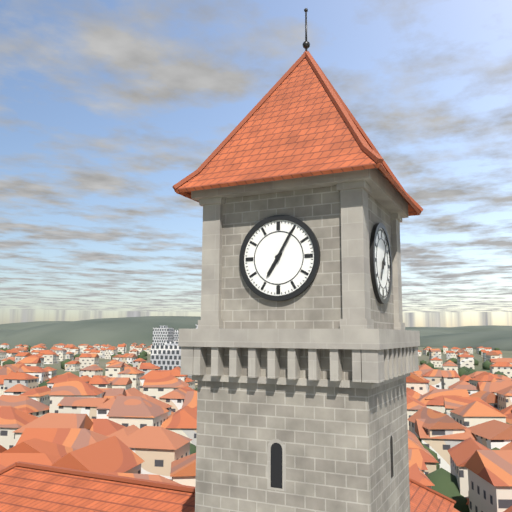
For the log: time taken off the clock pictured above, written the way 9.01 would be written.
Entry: 7.05
